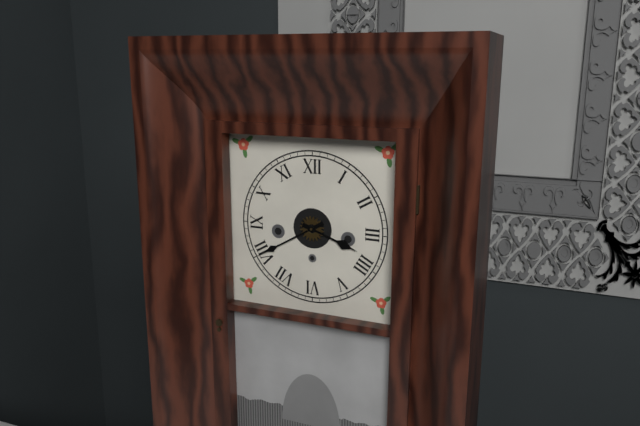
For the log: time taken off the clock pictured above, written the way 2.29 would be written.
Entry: 3.40
